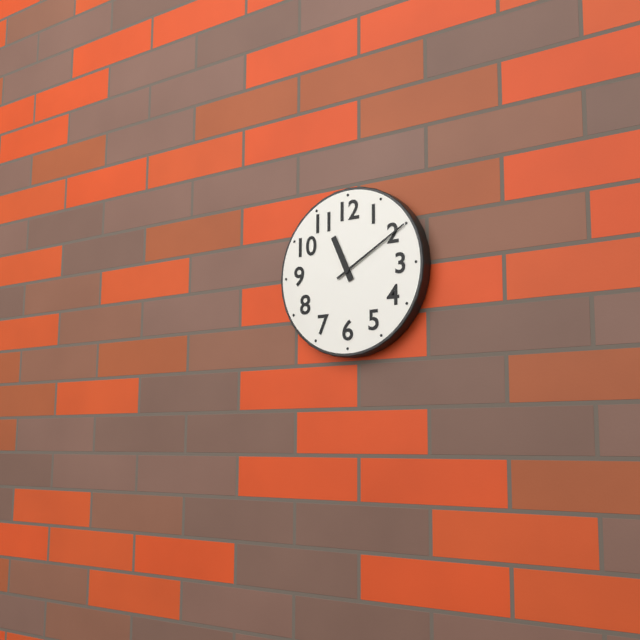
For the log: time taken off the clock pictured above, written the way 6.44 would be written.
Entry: 11.10
